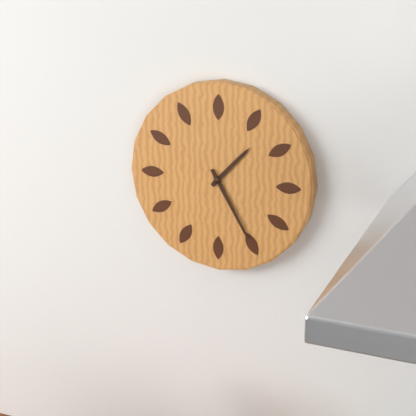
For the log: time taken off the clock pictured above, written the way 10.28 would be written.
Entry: 1.25
